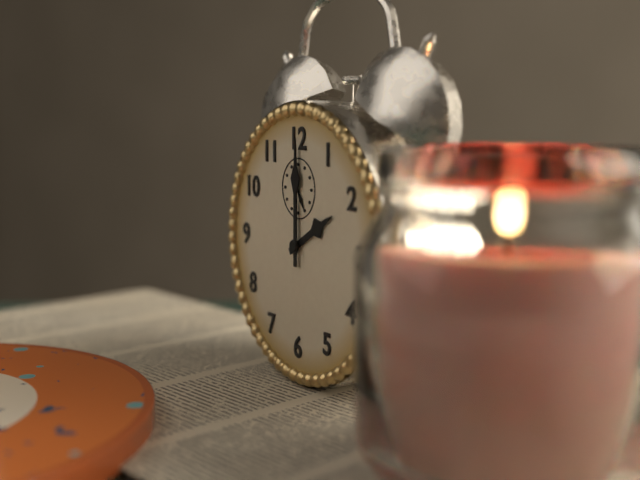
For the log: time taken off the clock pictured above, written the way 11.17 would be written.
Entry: 2.00
